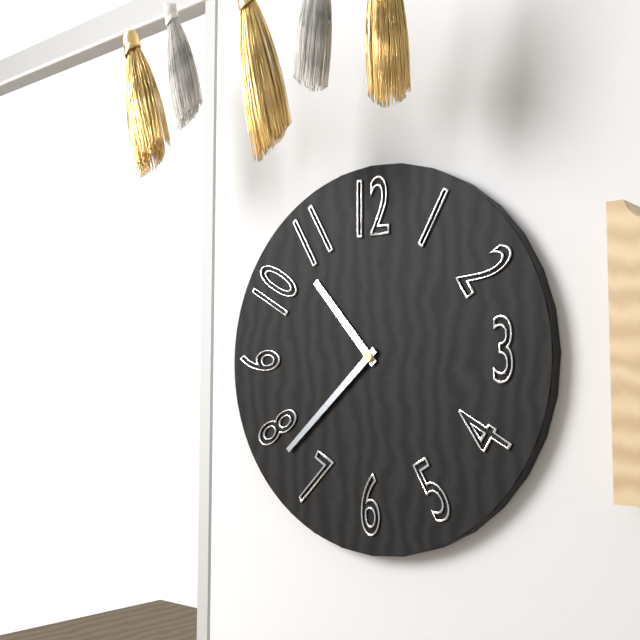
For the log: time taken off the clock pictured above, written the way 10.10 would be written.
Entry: 10.38
